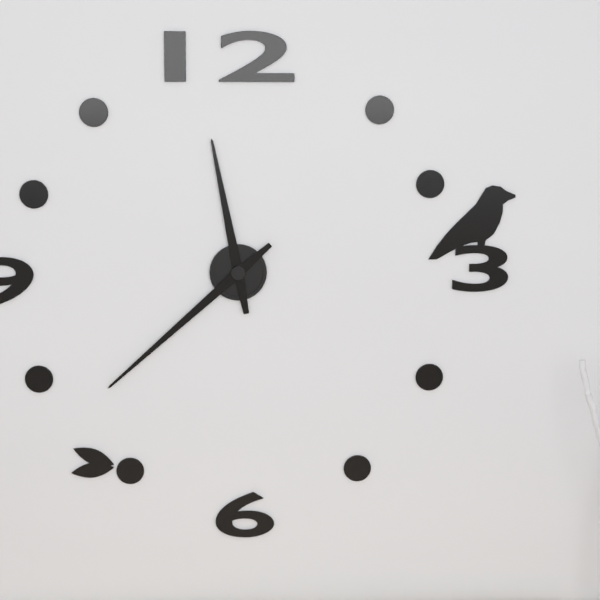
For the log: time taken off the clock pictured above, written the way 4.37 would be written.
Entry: 11.38
